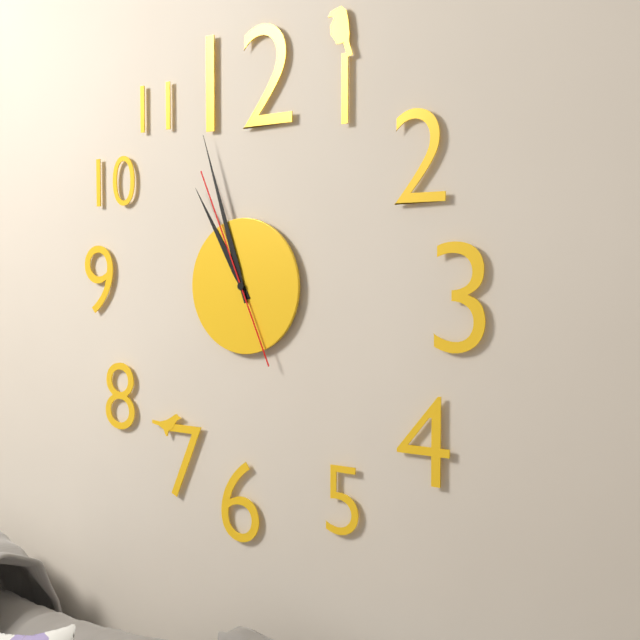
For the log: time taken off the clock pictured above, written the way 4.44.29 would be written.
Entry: 10.57.56
